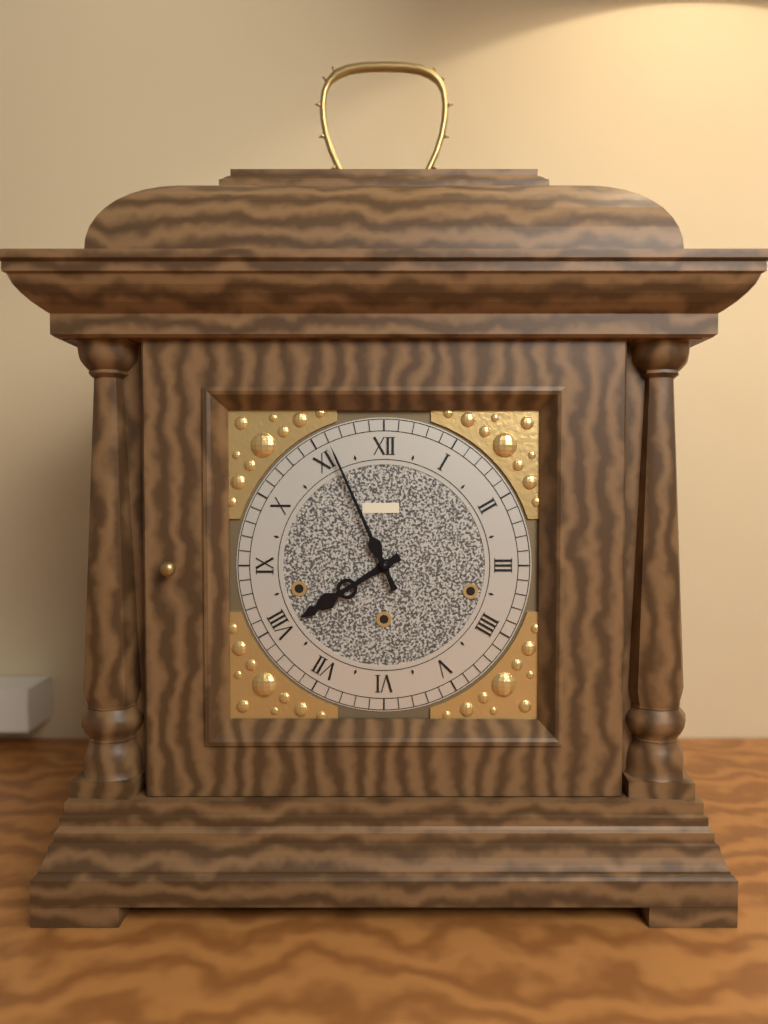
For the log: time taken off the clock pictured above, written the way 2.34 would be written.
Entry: 7.56
